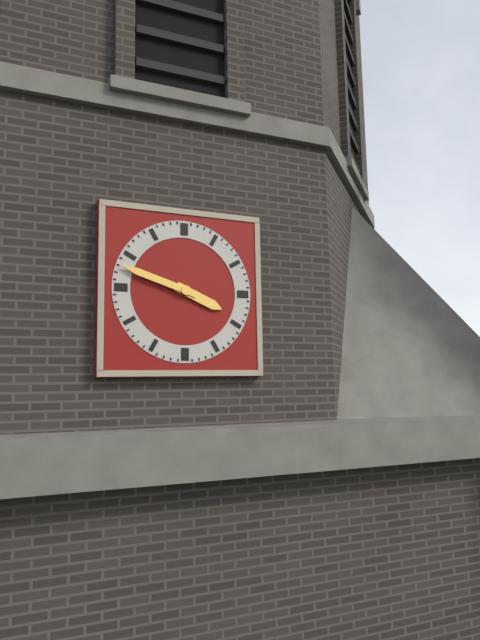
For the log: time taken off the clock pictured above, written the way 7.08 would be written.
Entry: 3.48
